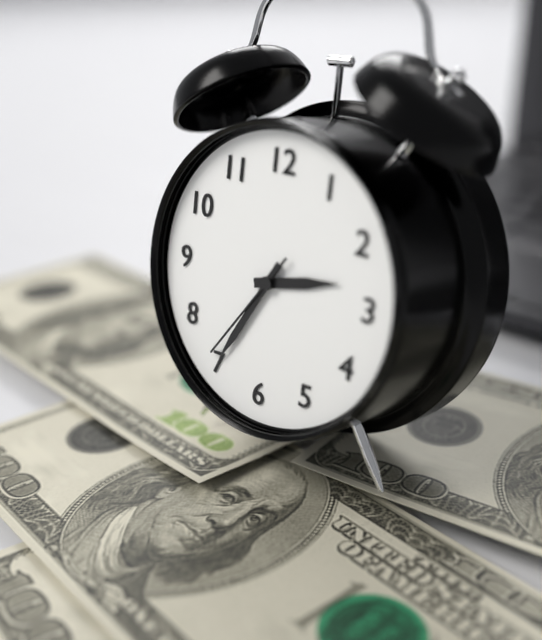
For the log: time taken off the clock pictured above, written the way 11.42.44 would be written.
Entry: 2.35.36
